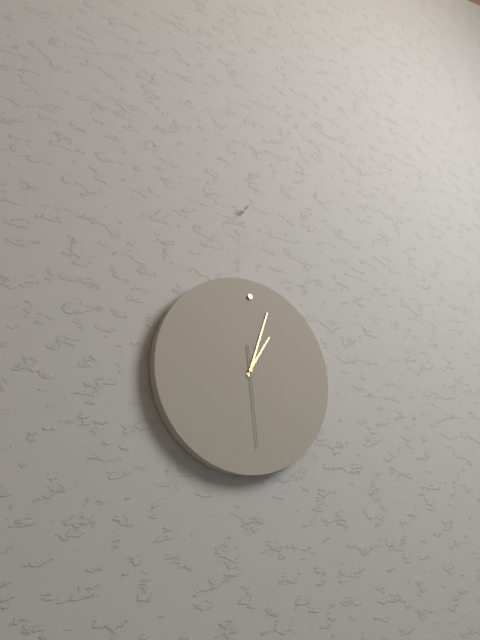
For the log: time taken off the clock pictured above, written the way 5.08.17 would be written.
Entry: 1.03.29
